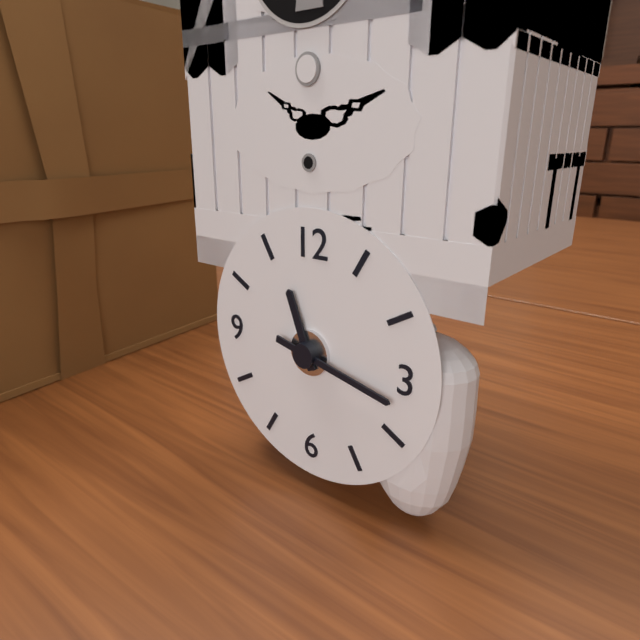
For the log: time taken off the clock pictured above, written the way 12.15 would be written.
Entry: 11.17
